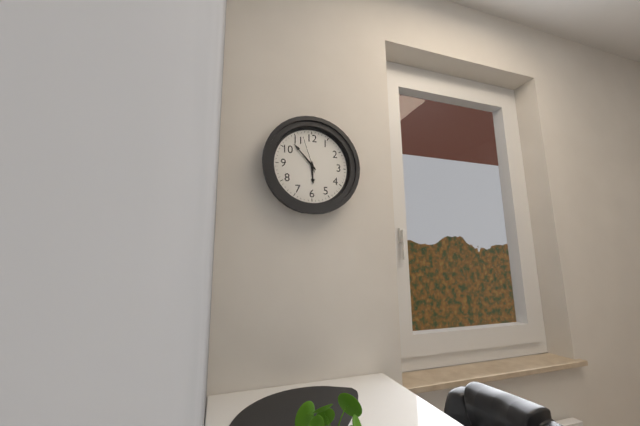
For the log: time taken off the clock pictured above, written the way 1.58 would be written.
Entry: 5.53
